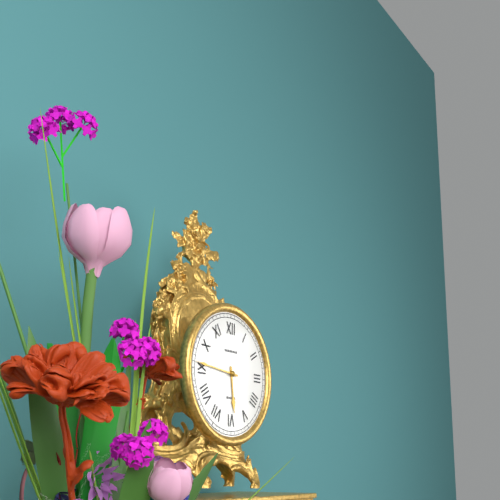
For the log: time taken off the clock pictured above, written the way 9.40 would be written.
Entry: 5.46
